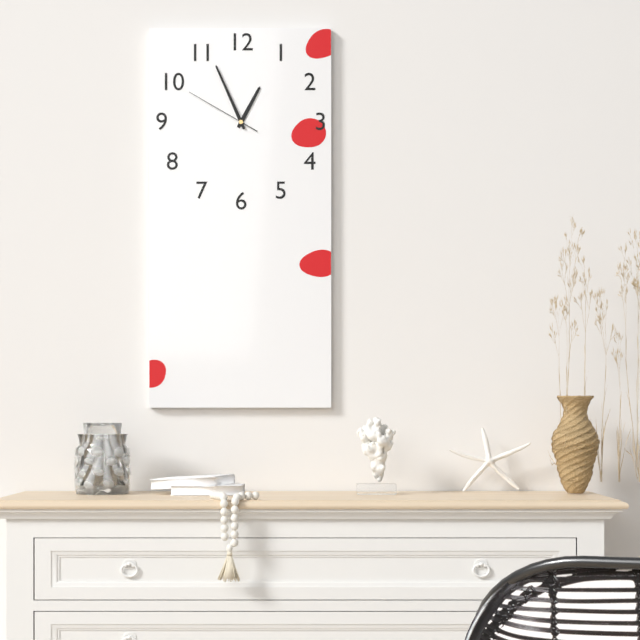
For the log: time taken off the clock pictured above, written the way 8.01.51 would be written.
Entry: 12.56.50
